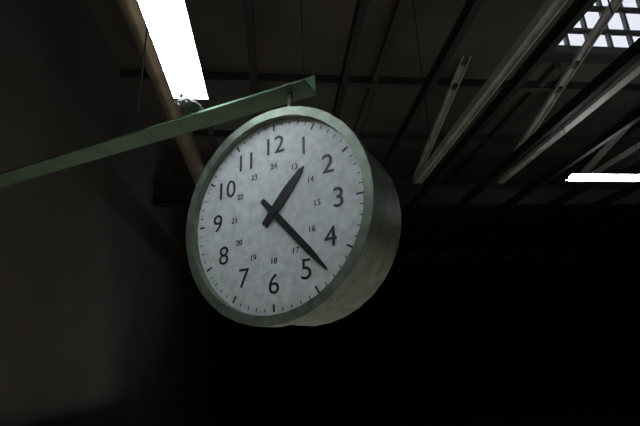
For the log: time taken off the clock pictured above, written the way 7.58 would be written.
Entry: 1.23
